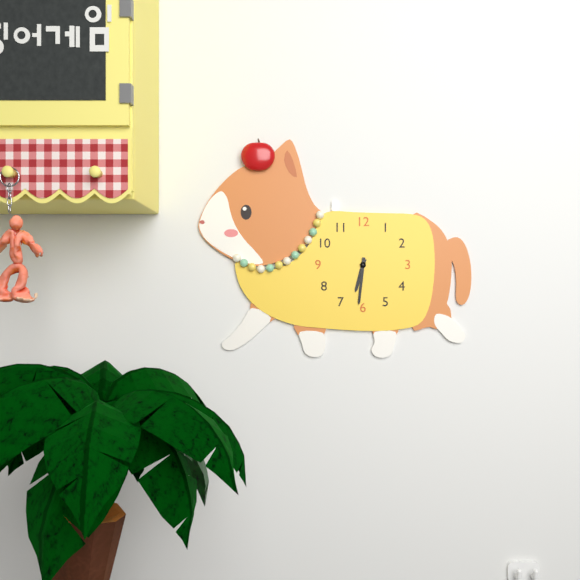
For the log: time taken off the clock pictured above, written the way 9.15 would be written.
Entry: 6.31
